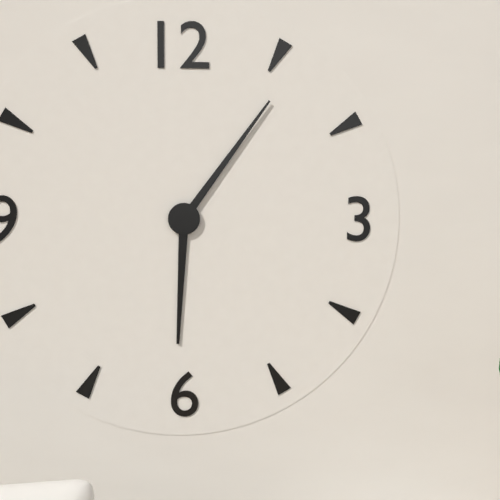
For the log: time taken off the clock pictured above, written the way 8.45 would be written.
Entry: 6.06
